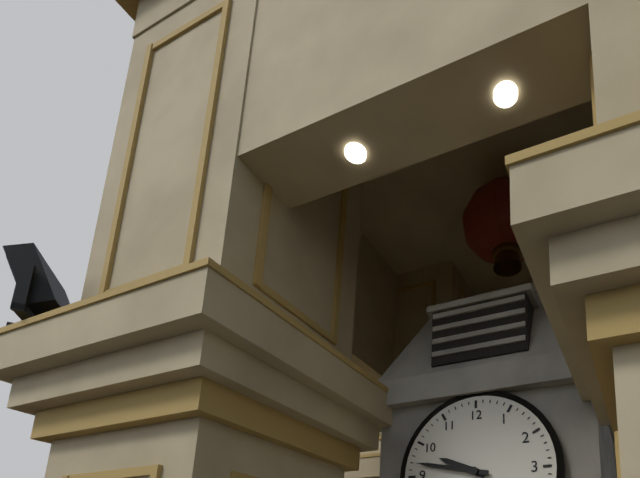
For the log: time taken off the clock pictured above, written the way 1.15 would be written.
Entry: 9.47
